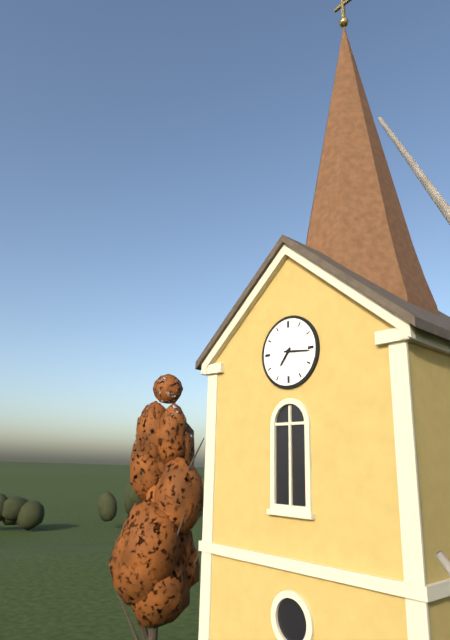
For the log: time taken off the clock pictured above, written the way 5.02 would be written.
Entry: 7.16
